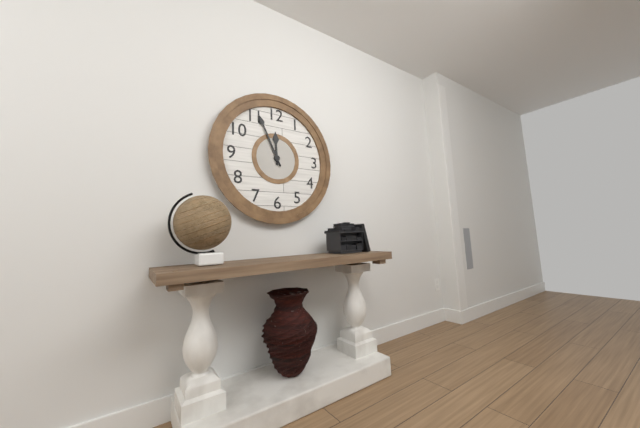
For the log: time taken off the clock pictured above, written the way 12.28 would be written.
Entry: 11.56
